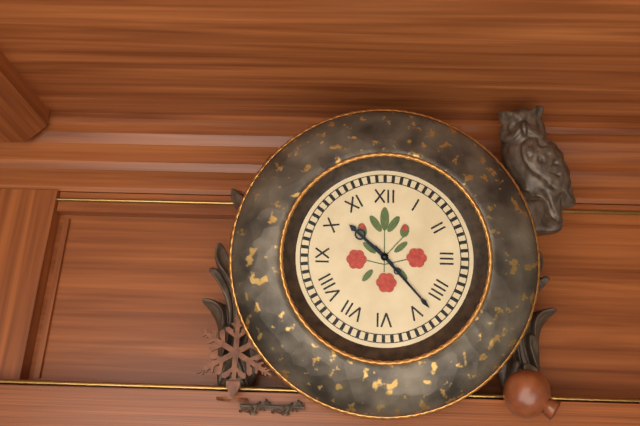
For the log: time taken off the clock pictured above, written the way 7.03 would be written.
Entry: 10.23
